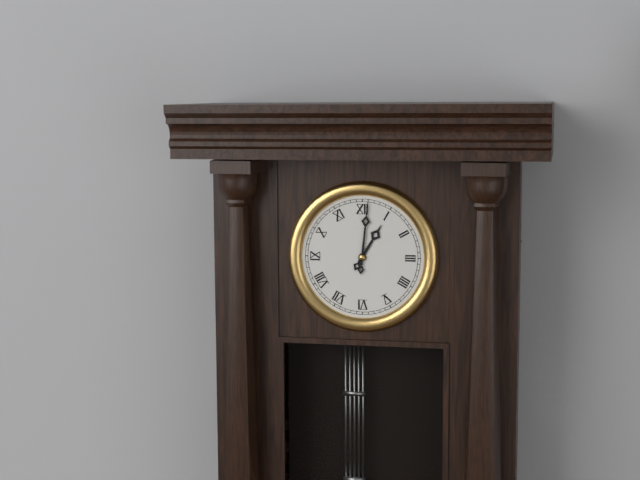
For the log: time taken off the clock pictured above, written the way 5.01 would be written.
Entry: 1.01
